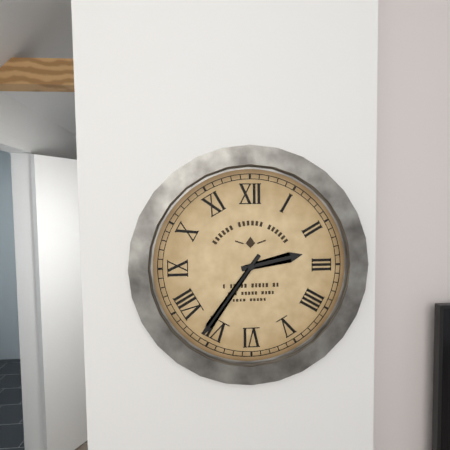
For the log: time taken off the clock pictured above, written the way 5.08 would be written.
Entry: 2.36
